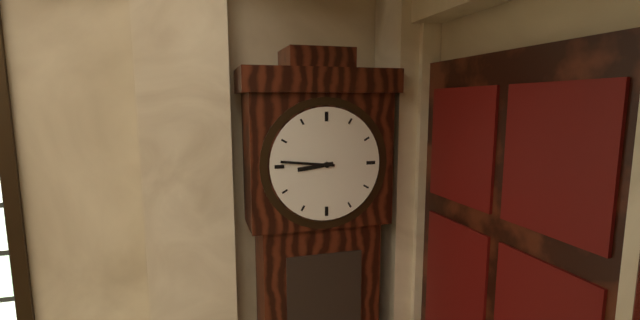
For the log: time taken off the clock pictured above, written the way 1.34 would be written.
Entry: 8.46
